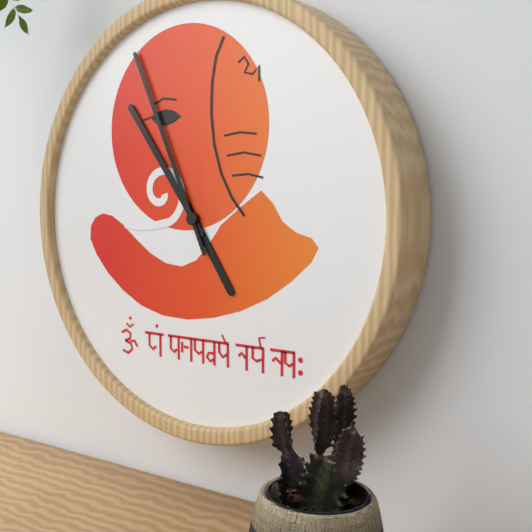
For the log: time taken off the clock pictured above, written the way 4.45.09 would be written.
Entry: 4.54.56
